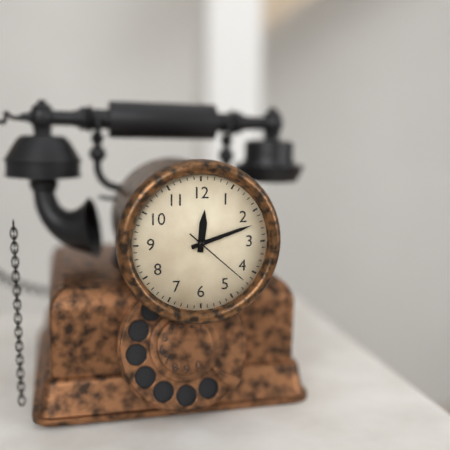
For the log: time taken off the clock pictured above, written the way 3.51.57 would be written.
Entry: 12.12.22
